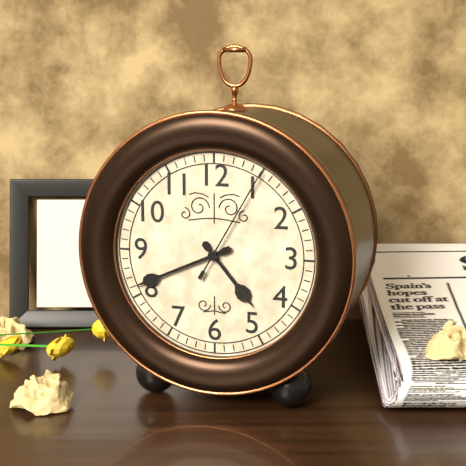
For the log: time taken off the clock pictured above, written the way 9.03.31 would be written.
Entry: 4.41.05
